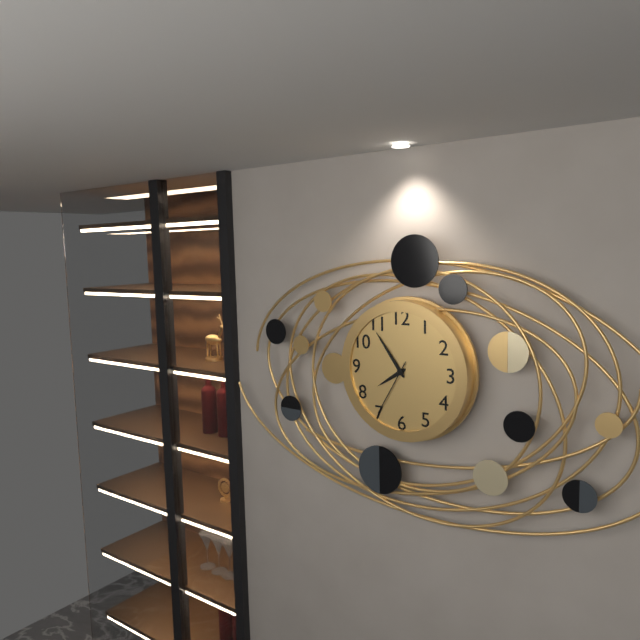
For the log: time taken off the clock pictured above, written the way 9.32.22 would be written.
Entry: 7.54.35
